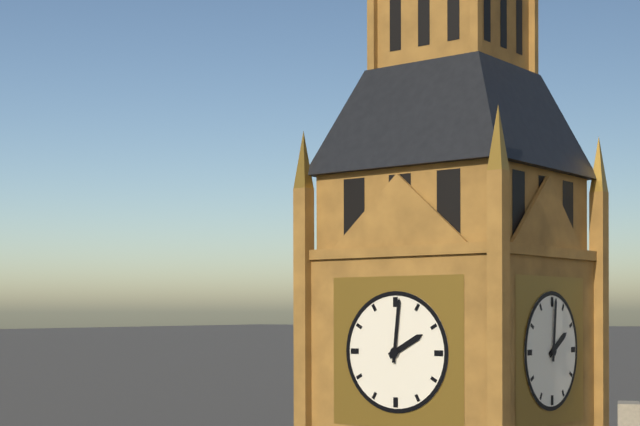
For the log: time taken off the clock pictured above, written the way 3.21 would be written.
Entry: 2.01
